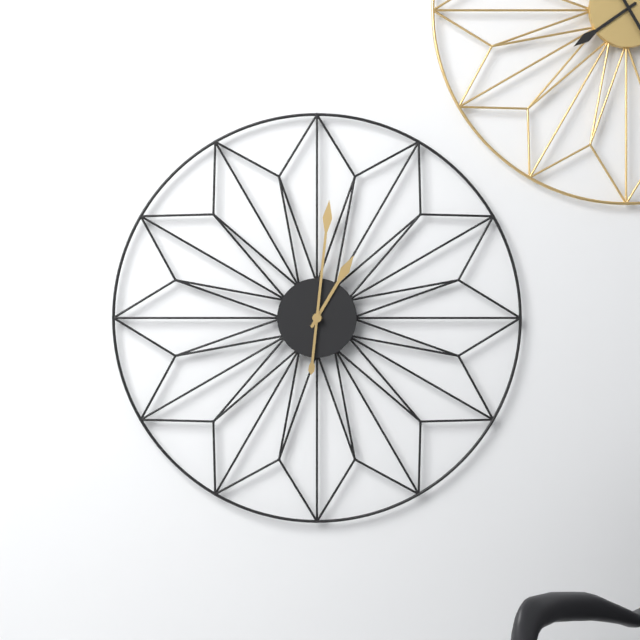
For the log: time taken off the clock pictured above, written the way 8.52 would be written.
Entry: 1.01
